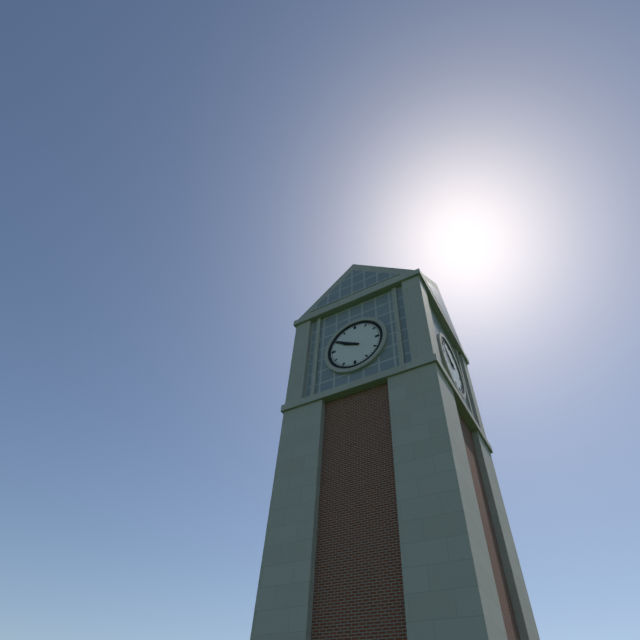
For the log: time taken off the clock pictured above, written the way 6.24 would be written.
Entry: 9.50
